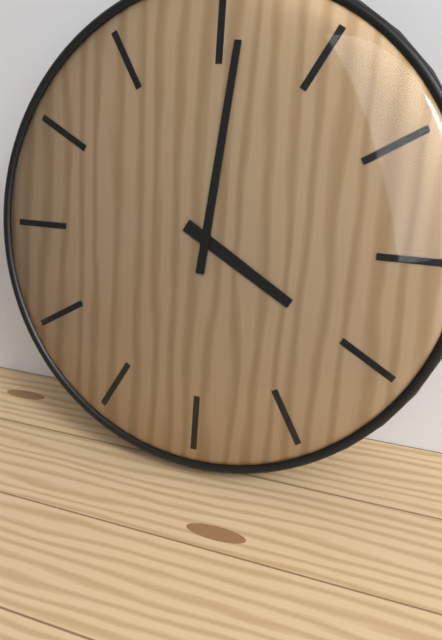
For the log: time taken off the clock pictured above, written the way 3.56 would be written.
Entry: 4.01
